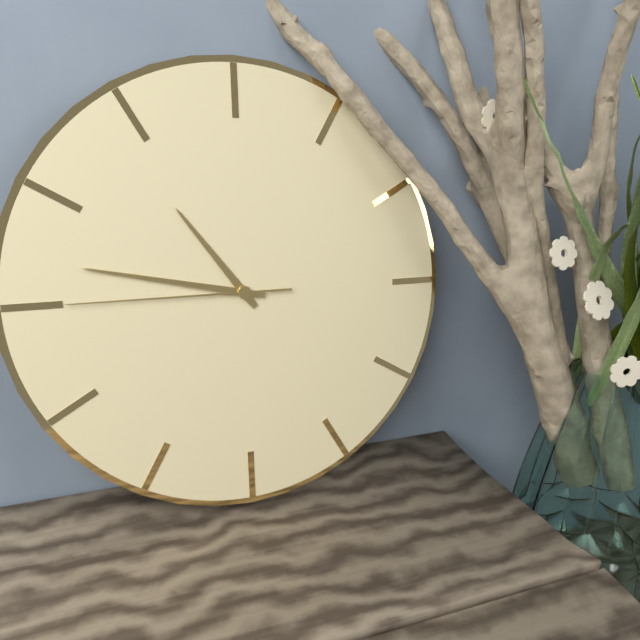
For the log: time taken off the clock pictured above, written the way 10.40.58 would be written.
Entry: 10.47.45
